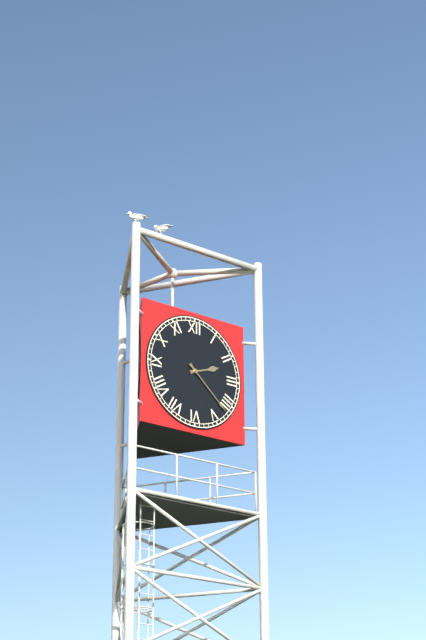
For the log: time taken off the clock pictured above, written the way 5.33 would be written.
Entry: 2.22
